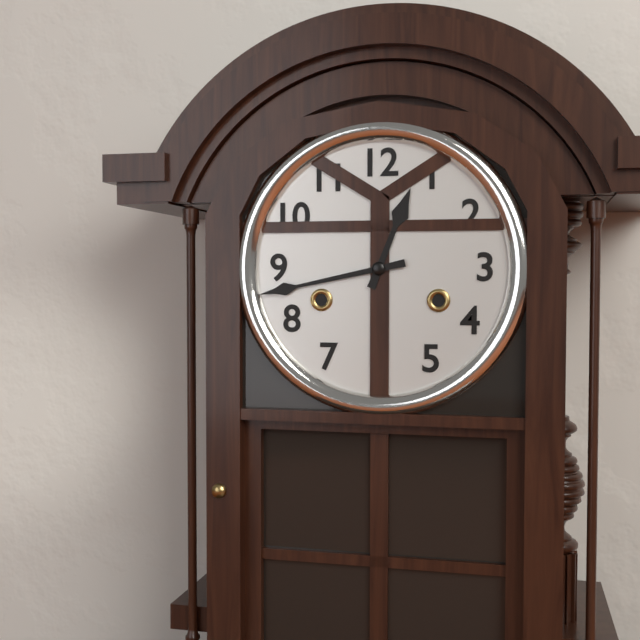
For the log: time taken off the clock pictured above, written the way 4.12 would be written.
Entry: 12.43
